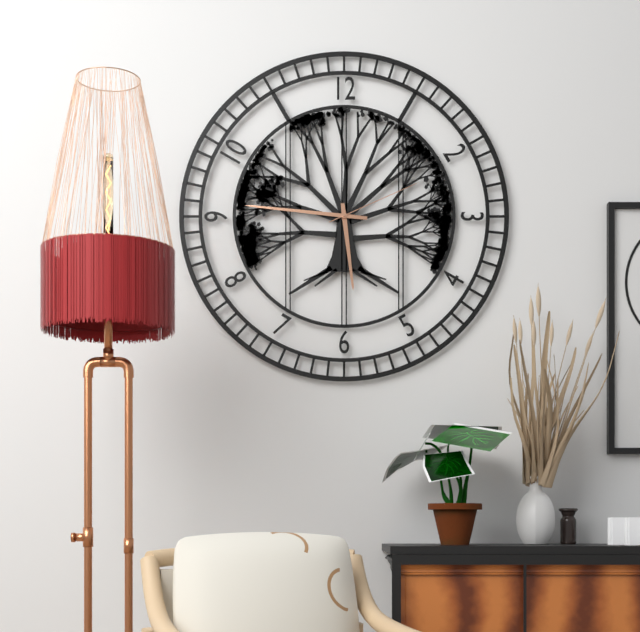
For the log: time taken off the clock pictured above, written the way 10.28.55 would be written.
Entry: 5.46.11
